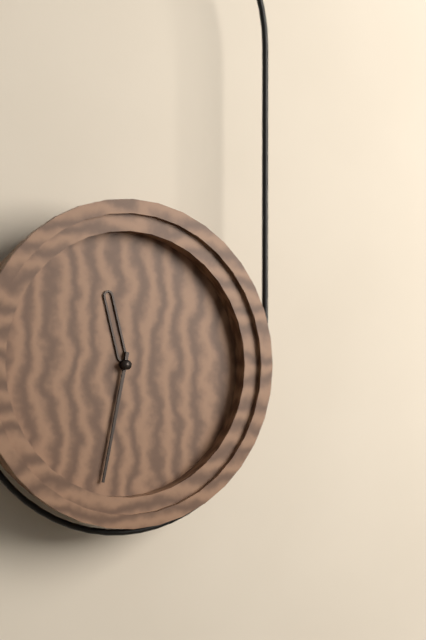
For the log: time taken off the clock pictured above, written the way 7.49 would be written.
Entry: 11.32
